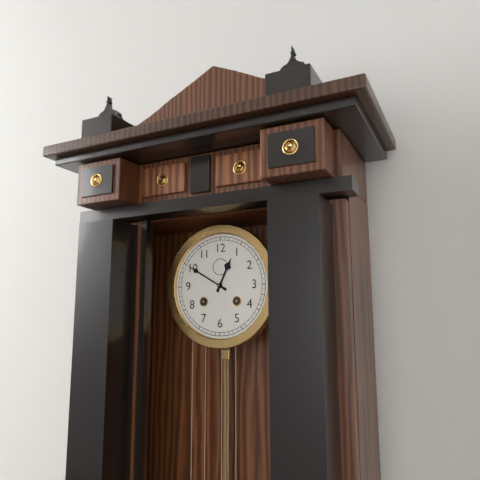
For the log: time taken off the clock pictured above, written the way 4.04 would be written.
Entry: 12.50
